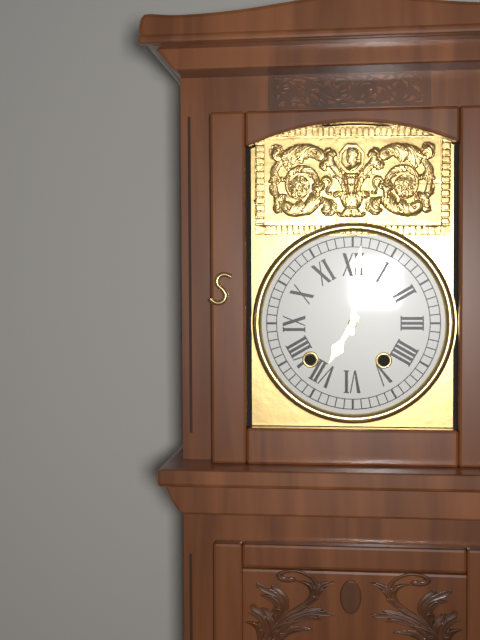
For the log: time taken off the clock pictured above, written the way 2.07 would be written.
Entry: 7.01
